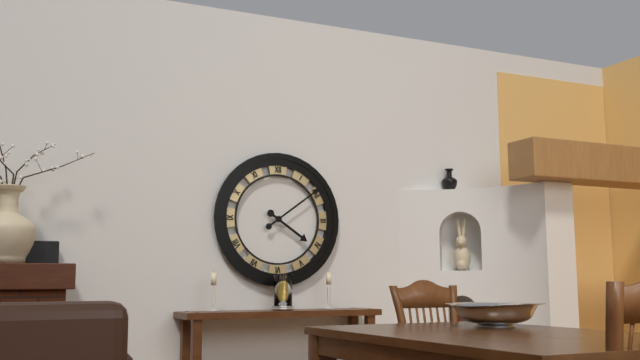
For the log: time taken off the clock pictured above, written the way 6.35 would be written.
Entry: 4.09
